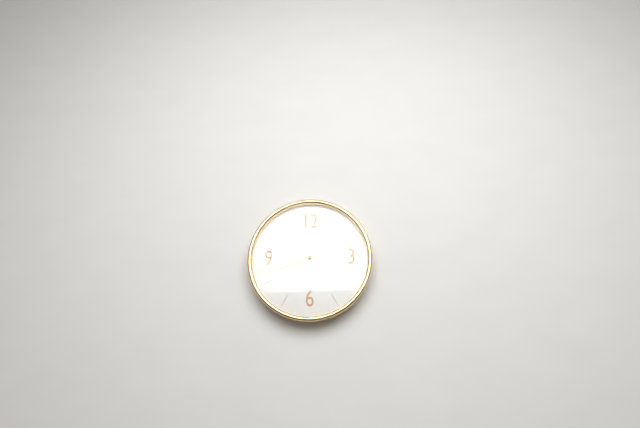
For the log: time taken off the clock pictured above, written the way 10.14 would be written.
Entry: 2.42
